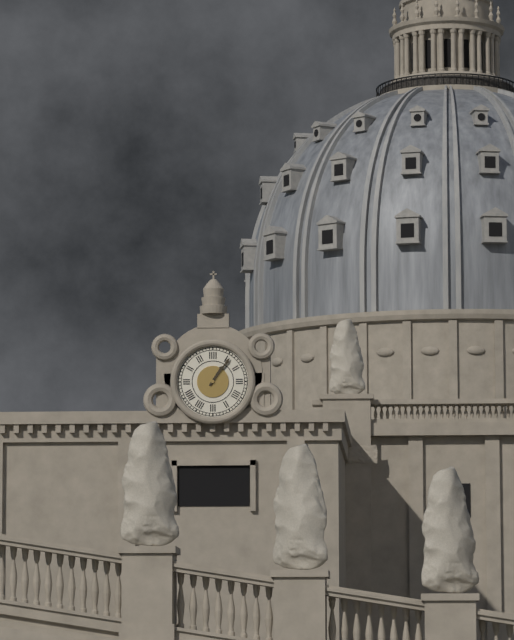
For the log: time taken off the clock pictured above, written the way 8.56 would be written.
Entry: 1.06
